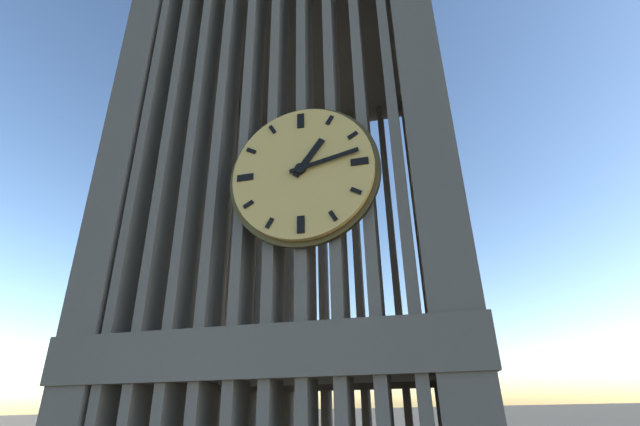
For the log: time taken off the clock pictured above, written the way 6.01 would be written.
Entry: 1.13
